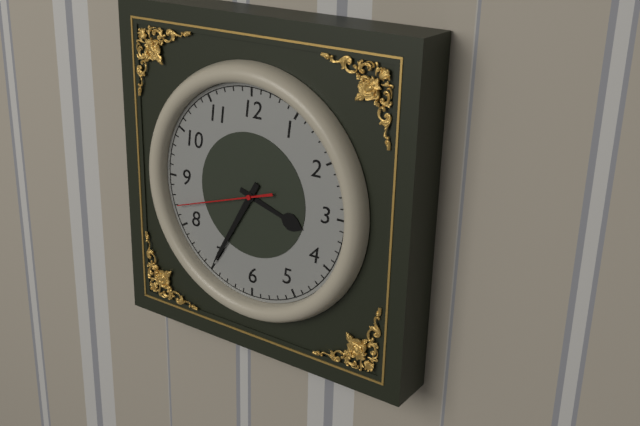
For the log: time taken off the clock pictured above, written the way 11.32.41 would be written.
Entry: 3.35.42
